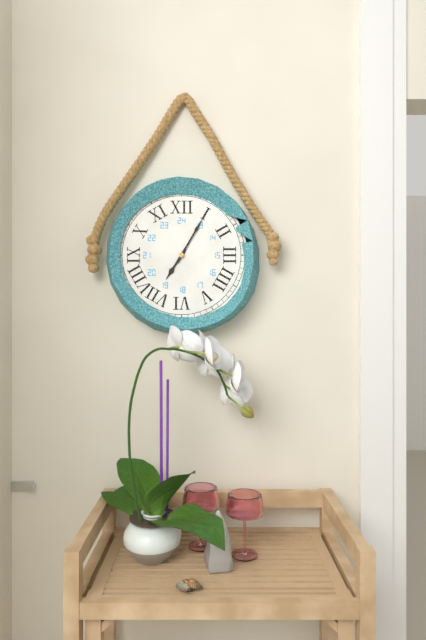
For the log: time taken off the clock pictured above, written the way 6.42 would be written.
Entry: 7.05
